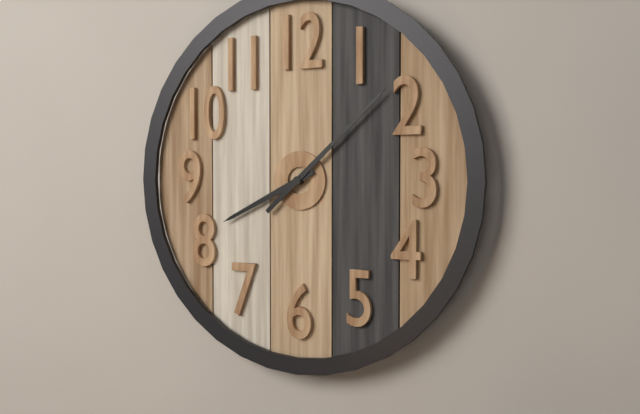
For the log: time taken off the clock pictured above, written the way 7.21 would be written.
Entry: 8.08
